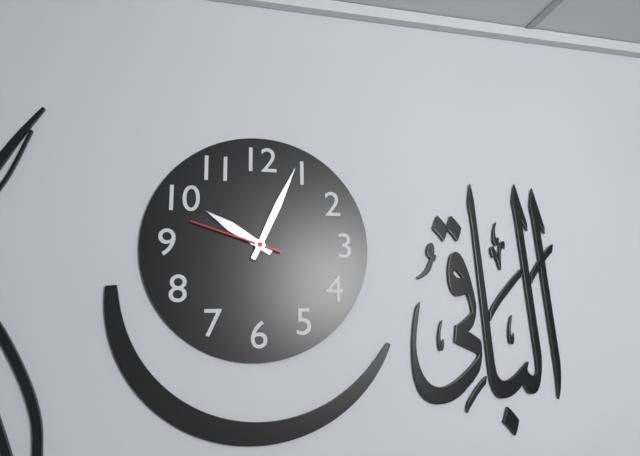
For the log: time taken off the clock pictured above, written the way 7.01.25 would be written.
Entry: 10.04.48
